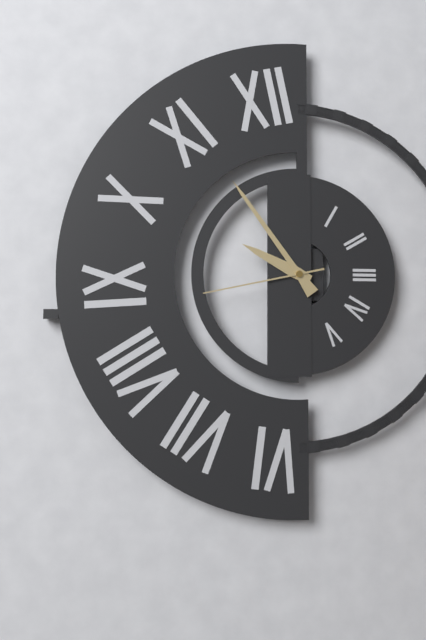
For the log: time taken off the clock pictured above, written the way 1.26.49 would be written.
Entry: 9.54.43
